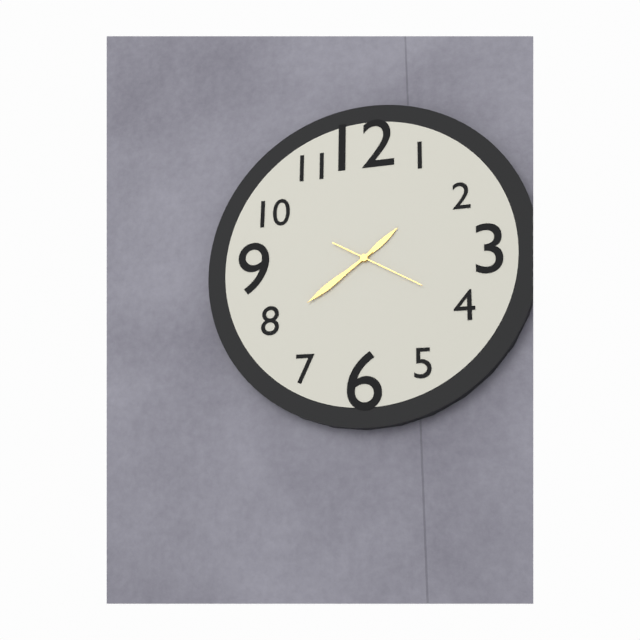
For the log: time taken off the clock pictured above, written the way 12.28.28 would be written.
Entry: 1.39.20
